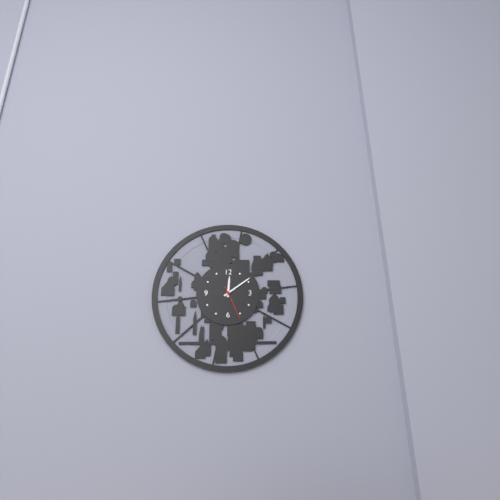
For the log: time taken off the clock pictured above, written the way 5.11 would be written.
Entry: 12.09
